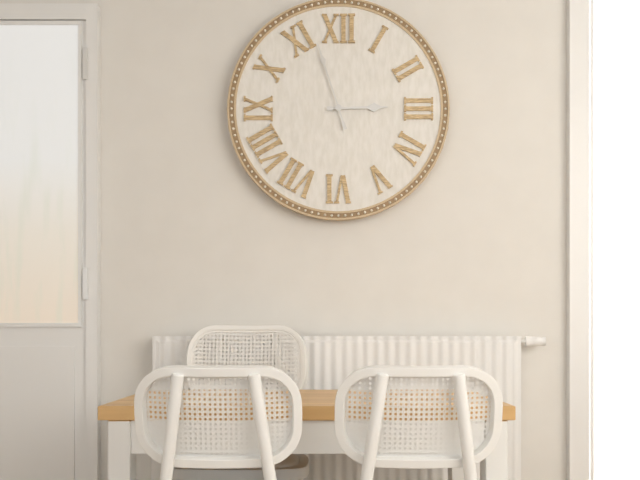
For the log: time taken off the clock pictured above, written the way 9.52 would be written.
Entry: 2.57
